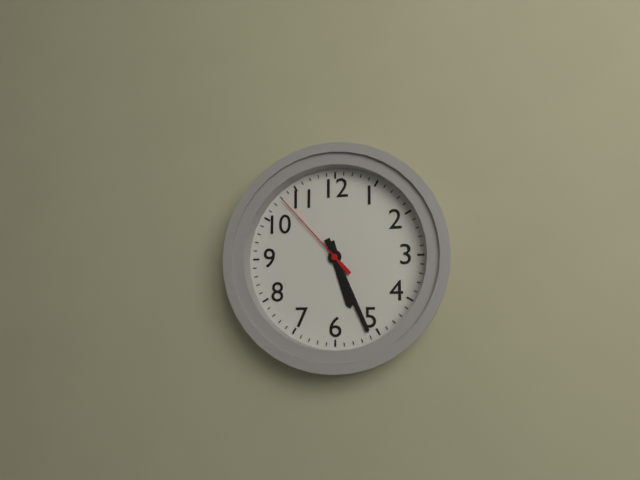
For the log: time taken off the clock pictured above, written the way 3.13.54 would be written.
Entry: 5.26.53
